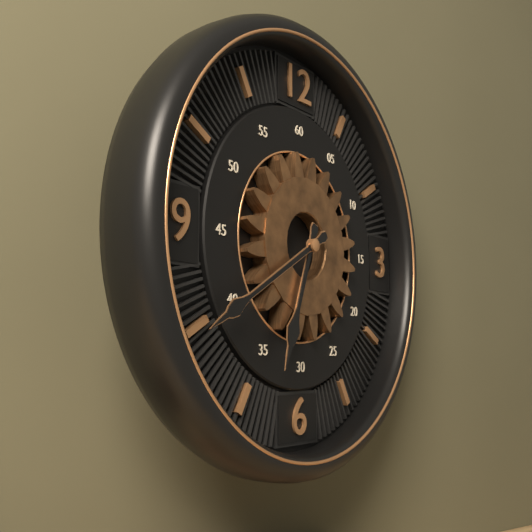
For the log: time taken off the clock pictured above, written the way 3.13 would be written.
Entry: 6.40
